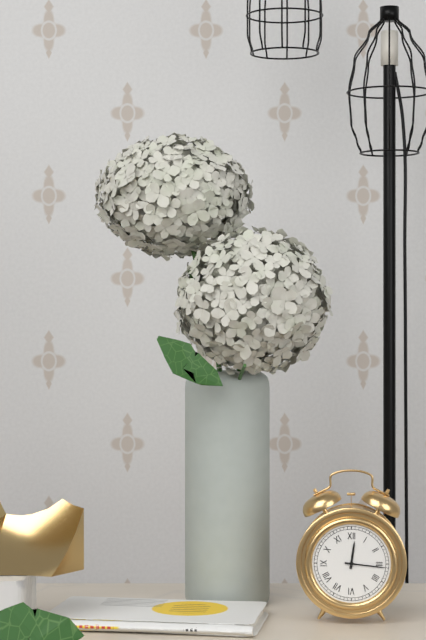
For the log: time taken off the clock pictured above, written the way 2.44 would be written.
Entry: 12.16
